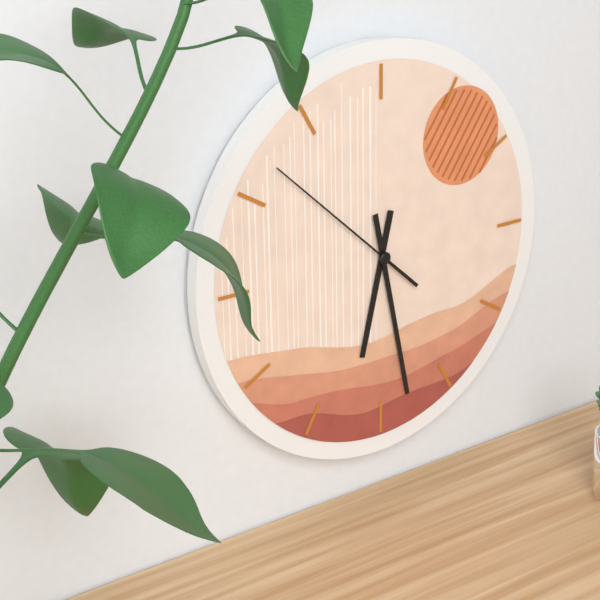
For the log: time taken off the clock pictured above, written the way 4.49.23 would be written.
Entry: 6.28.52
